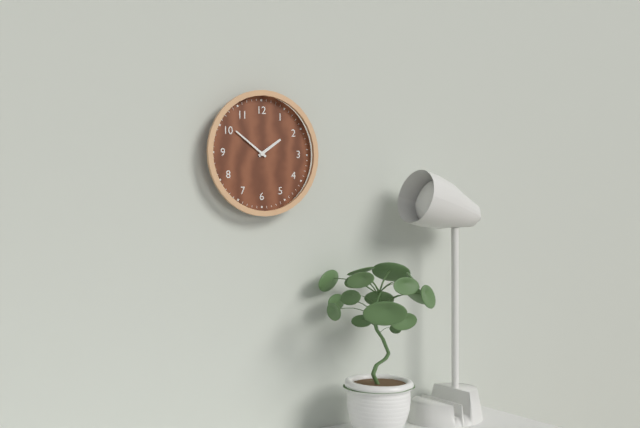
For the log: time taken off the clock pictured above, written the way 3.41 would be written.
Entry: 1.51
